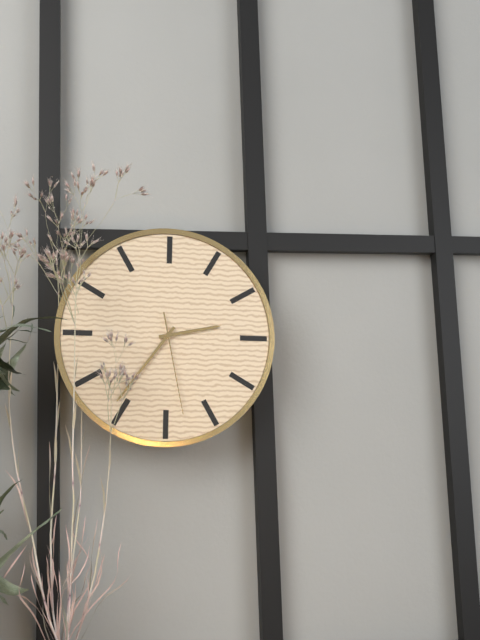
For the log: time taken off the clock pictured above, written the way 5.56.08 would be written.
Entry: 2.36.28
